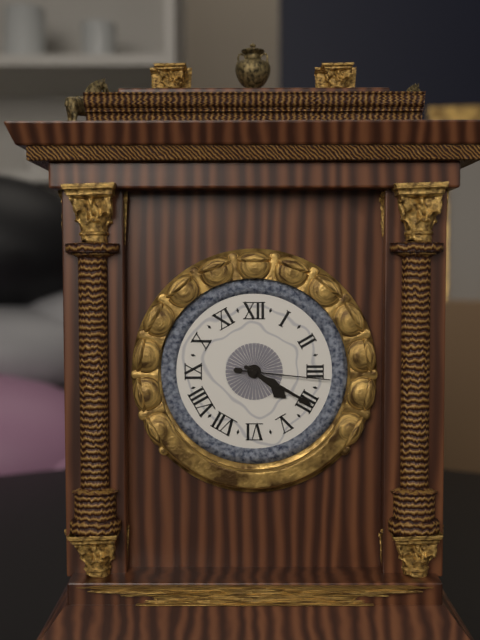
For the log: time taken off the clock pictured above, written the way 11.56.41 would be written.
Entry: 4.20.16
